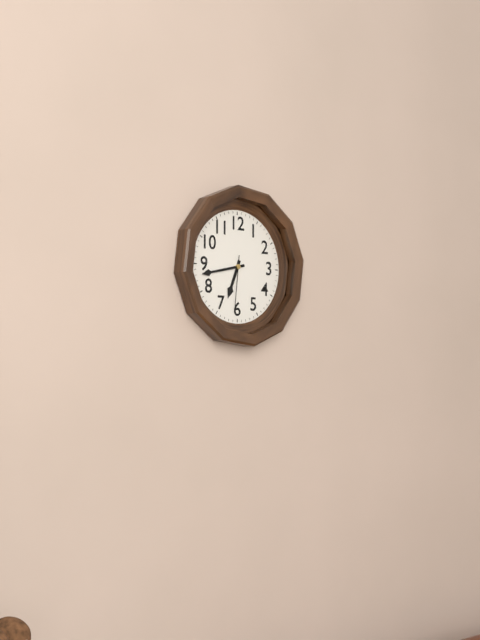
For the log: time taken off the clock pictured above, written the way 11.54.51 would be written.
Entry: 6.43.31
